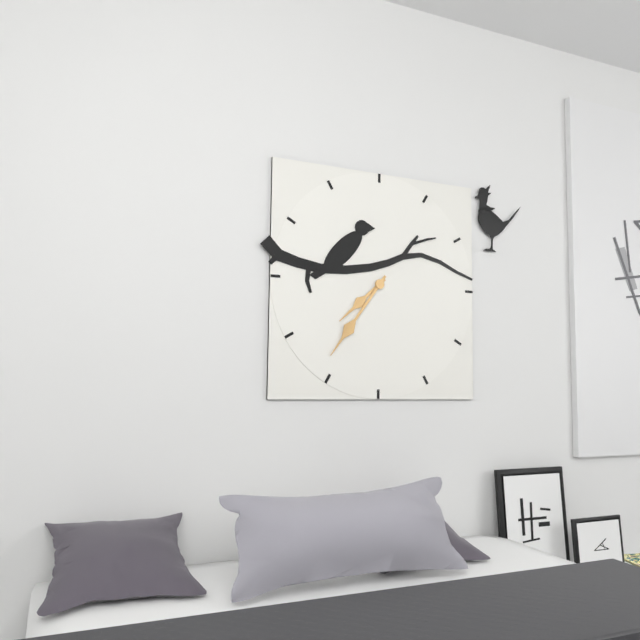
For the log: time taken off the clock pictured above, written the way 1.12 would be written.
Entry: 7.36
